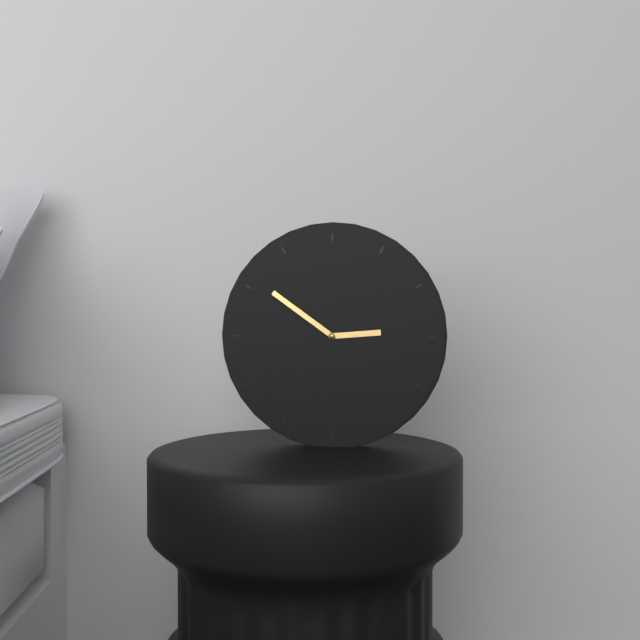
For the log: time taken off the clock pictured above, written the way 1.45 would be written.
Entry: 2.51
